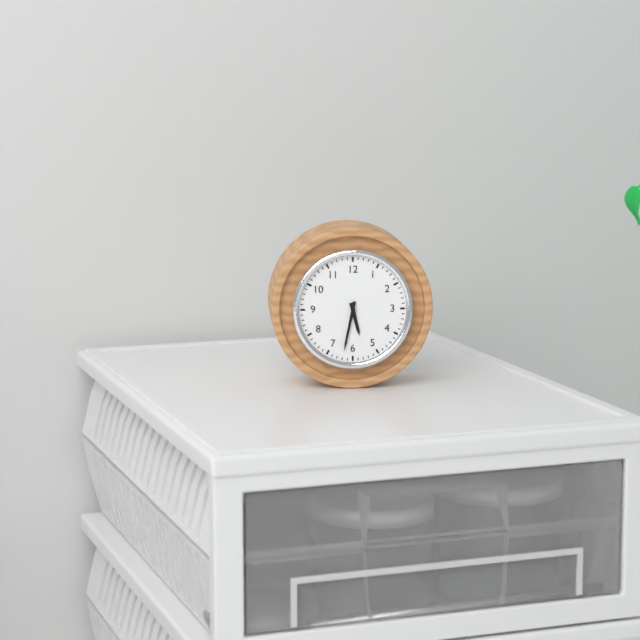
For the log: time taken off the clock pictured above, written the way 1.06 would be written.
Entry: 5.32
